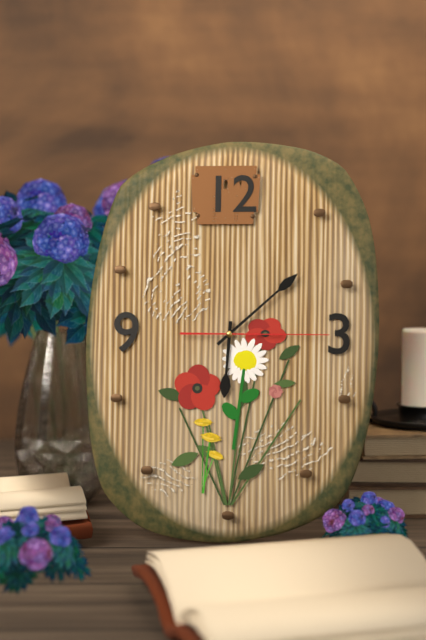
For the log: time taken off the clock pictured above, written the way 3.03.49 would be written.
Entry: 6.08.15
